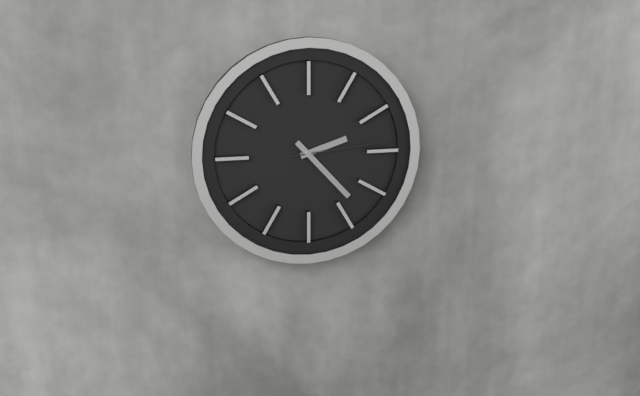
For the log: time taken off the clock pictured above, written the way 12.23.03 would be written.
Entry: 2.23.14
